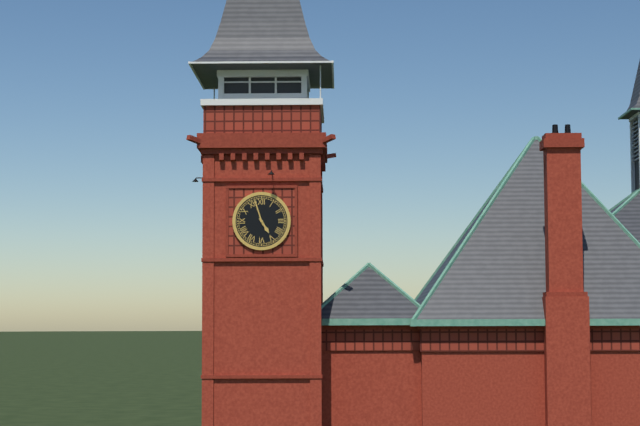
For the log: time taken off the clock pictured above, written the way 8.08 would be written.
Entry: 4.57
